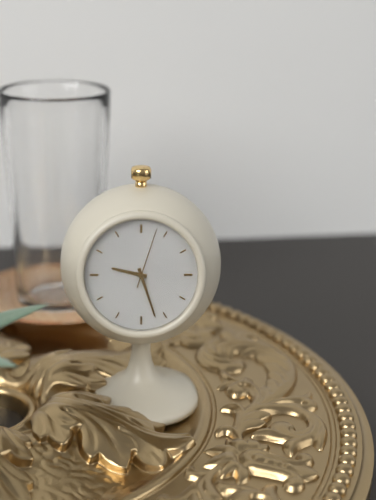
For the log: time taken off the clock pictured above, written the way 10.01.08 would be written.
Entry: 9.27.03
